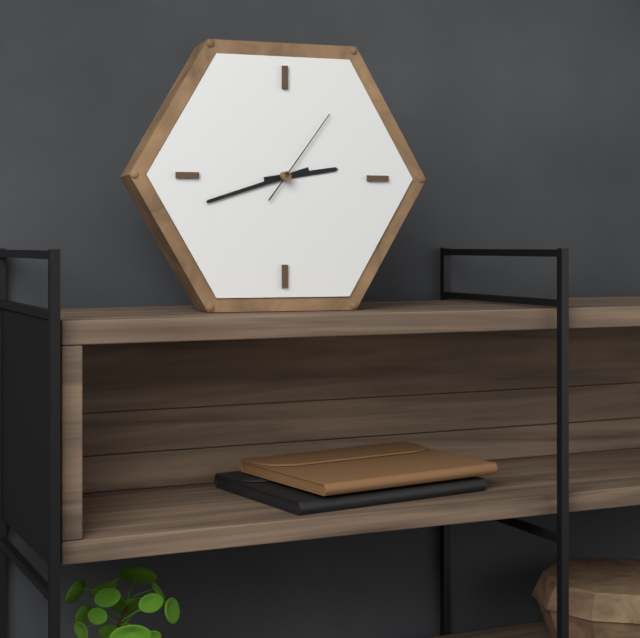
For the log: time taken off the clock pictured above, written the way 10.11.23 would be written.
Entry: 2.42.06
